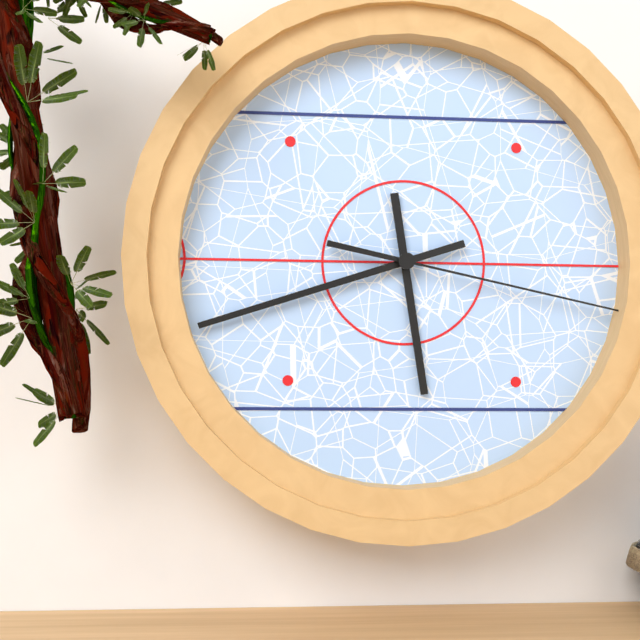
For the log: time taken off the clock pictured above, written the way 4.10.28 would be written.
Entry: 5.42.17
